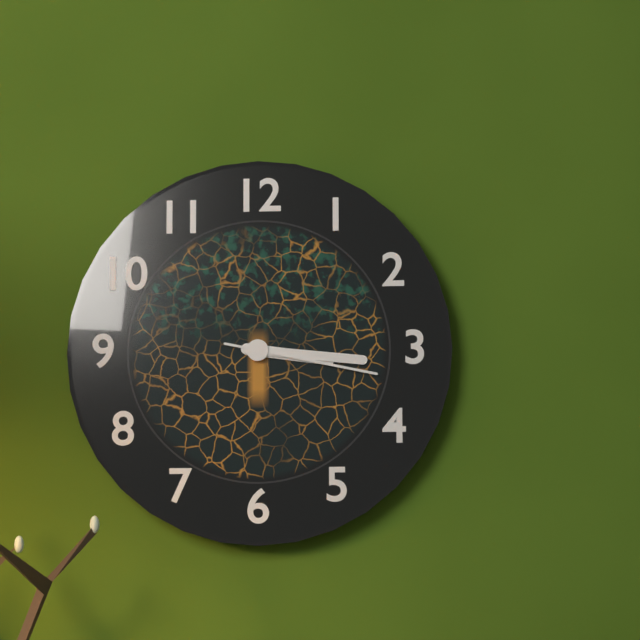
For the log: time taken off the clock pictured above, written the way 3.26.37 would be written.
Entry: 3.16.17
